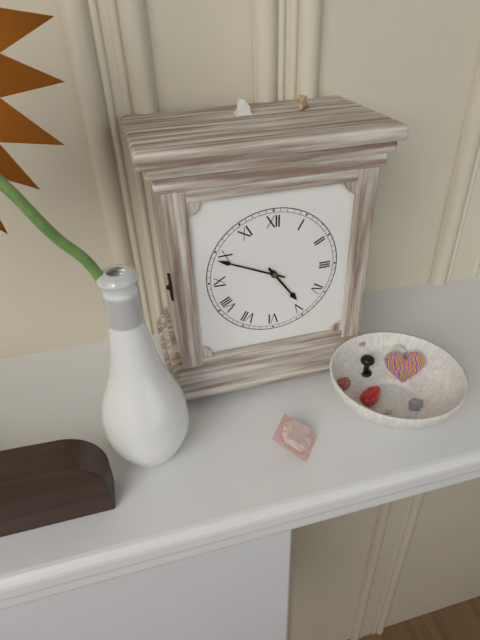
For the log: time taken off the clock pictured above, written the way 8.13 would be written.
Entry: 4.49
